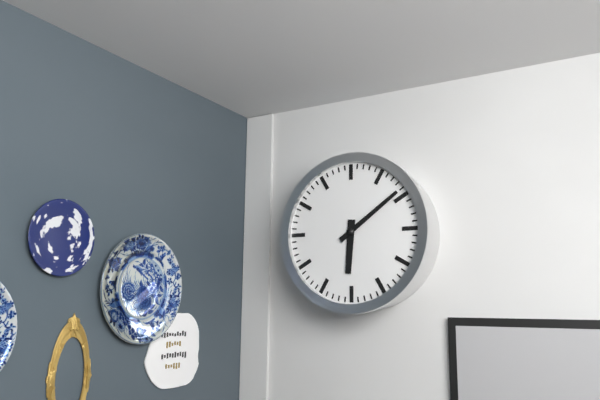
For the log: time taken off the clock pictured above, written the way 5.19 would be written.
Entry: 6.09
